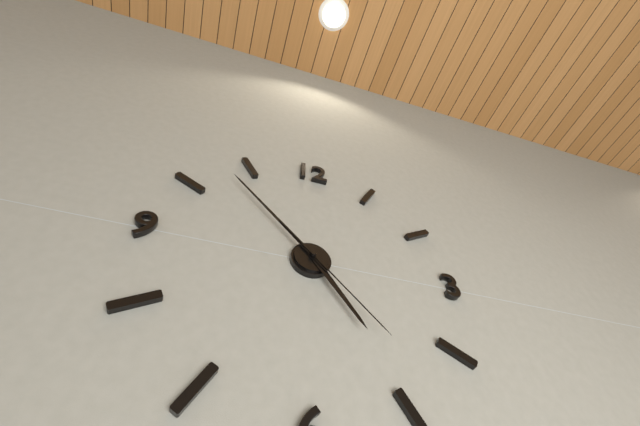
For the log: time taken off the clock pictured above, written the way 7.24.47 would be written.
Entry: 4.53.23
